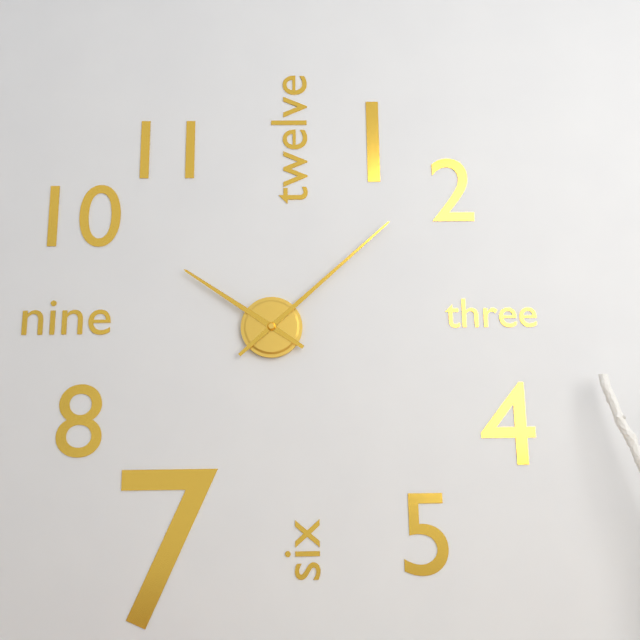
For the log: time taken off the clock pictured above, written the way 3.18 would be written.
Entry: 10.08
